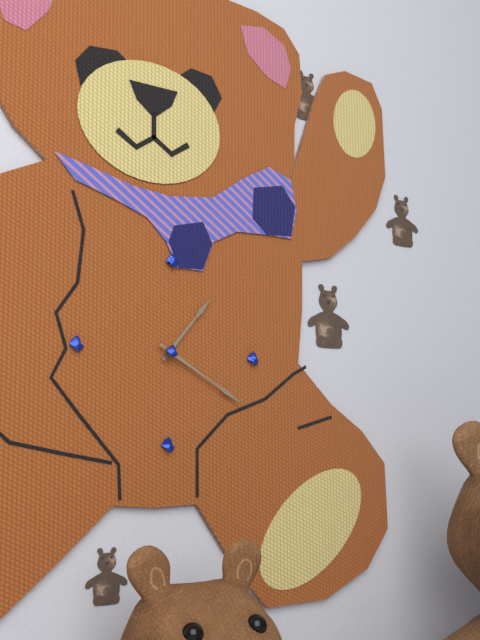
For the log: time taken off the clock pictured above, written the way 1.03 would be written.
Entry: 1.20
